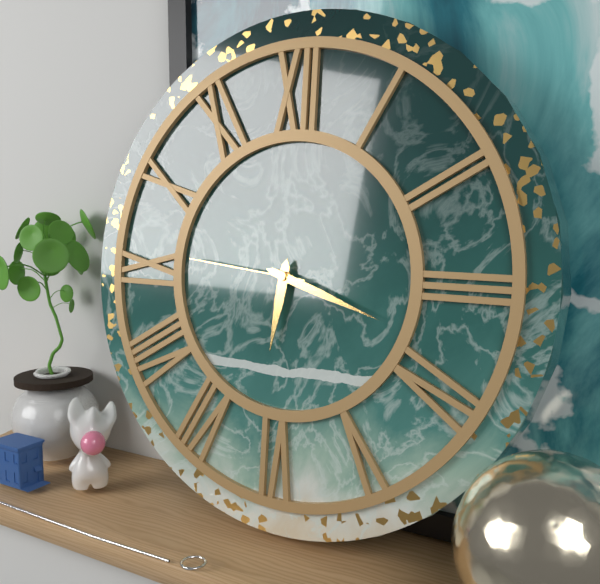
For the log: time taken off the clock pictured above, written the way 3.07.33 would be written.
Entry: 6.18.46
